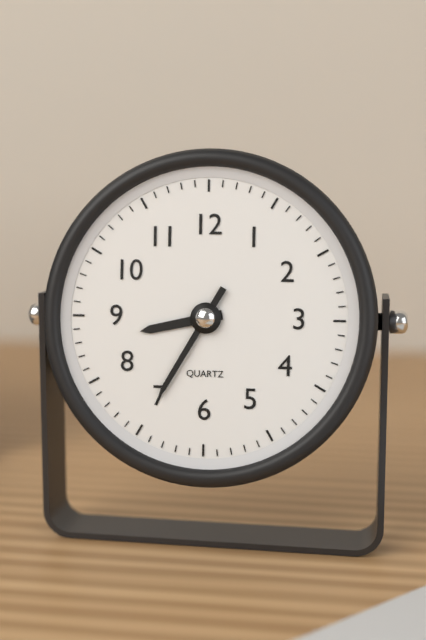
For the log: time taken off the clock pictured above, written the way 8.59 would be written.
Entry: 8.35
